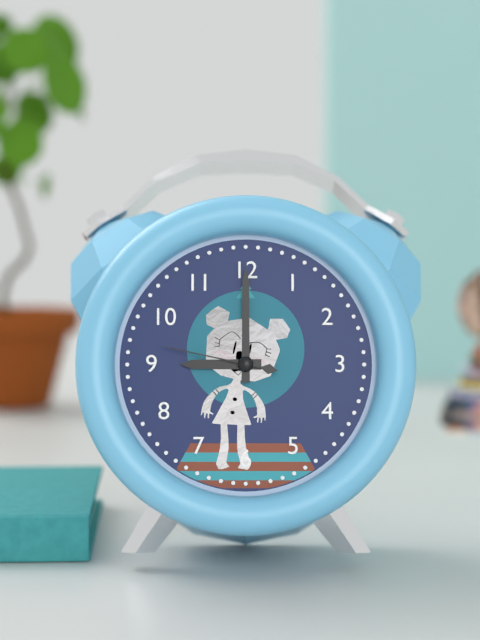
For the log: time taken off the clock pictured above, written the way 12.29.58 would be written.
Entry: 9.00.47
